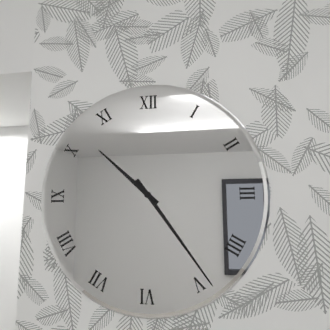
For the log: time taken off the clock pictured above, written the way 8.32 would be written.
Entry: 10.24
